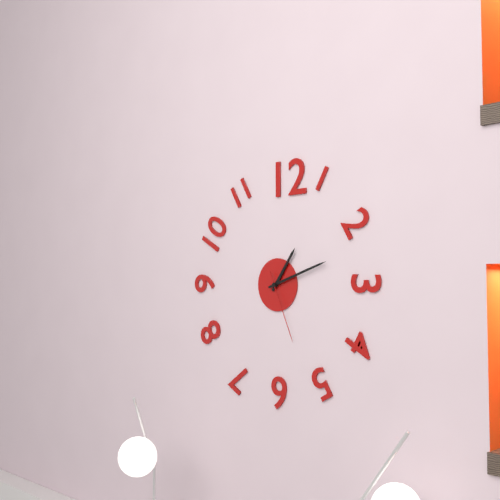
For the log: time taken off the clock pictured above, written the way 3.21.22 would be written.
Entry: 1.12.26
